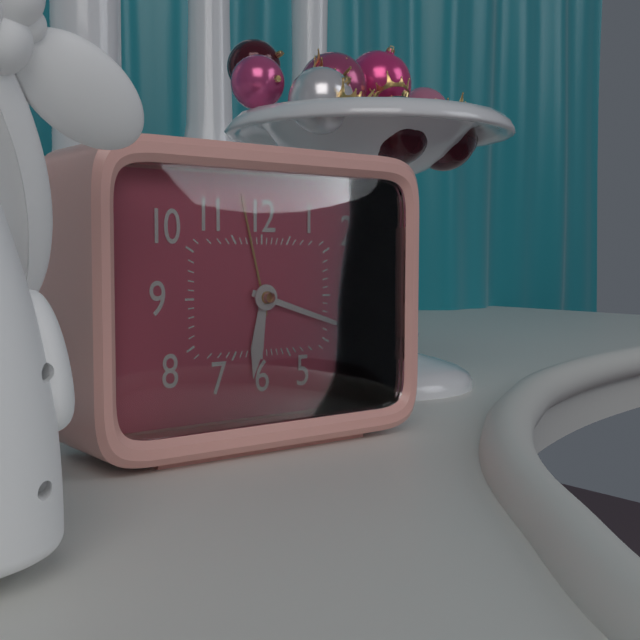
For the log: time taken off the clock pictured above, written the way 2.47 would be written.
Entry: 6.18
